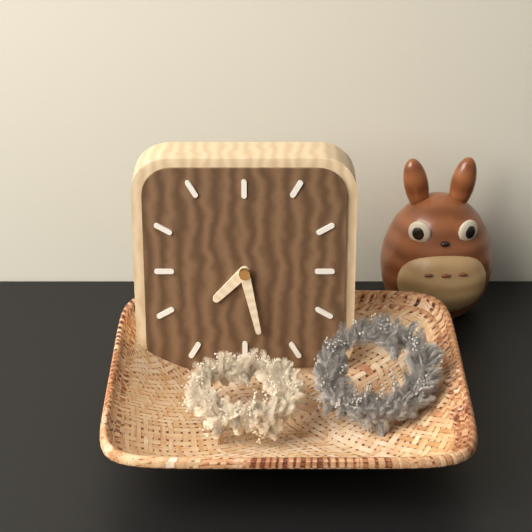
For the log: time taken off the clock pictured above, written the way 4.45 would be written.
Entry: 7.28
